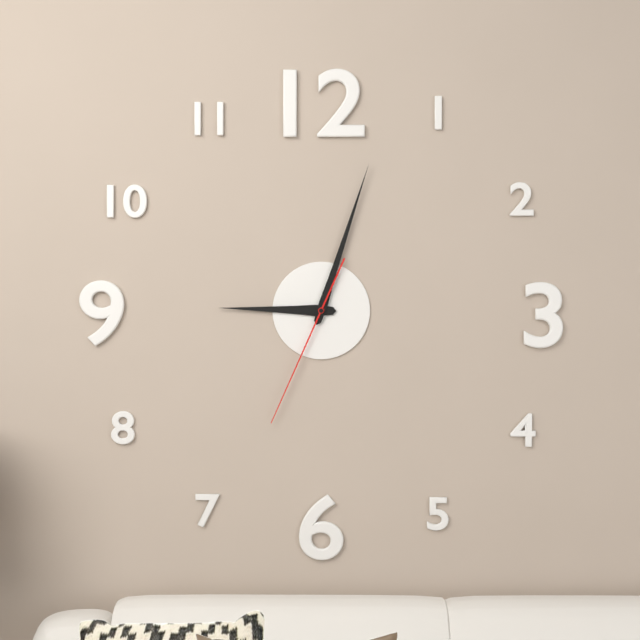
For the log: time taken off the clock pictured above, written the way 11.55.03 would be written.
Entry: 9.03.34
